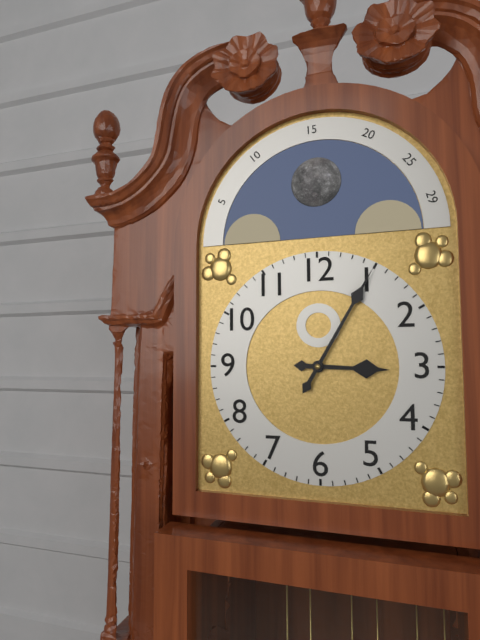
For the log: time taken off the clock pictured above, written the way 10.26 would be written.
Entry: 3.05
